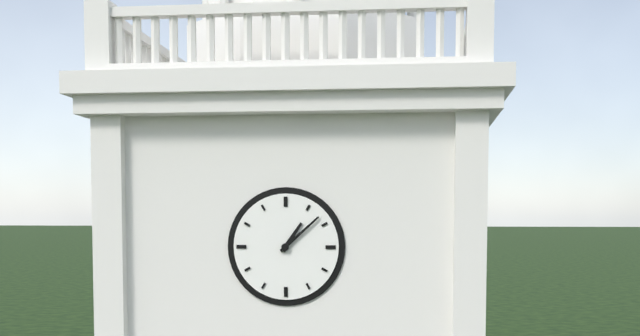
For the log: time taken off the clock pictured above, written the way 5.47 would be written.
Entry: 1.08
